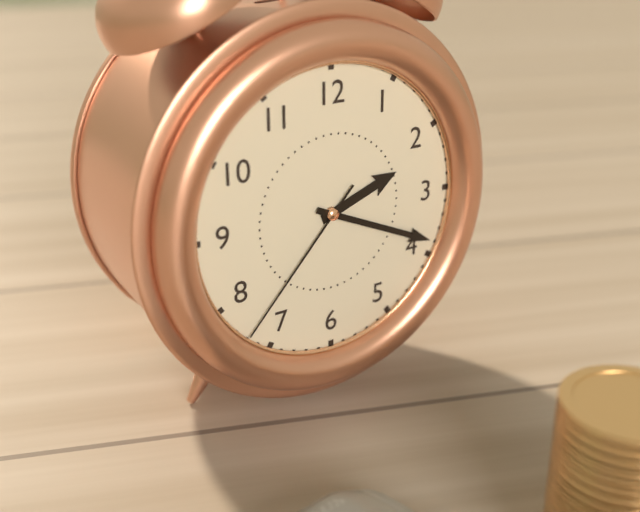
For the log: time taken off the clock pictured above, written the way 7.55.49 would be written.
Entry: 2.19.37
